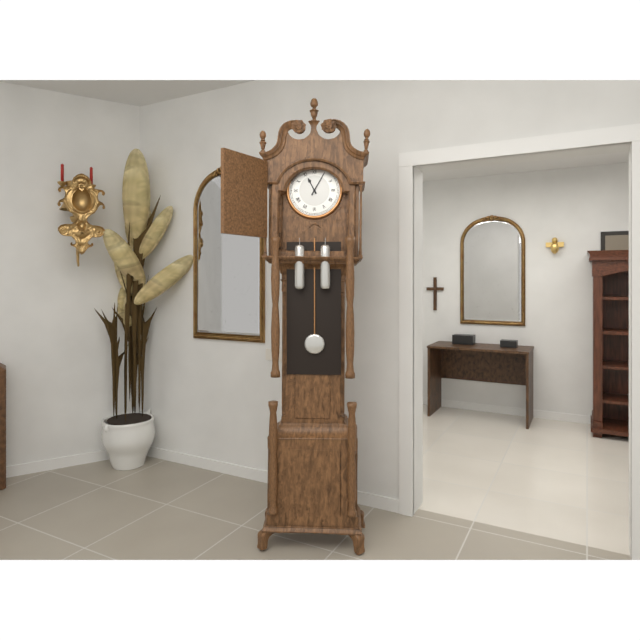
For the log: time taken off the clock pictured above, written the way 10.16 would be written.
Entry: 11.05
